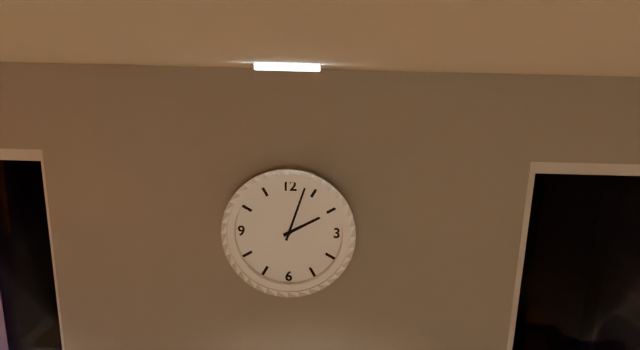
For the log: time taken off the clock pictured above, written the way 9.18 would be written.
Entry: 2.03
